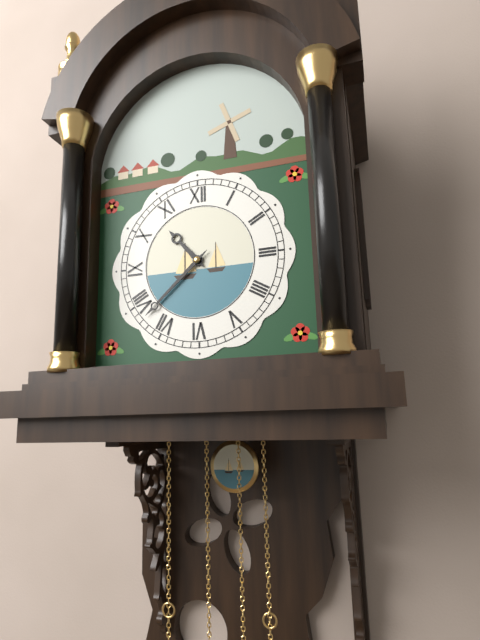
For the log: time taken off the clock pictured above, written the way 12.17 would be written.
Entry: 10.38
